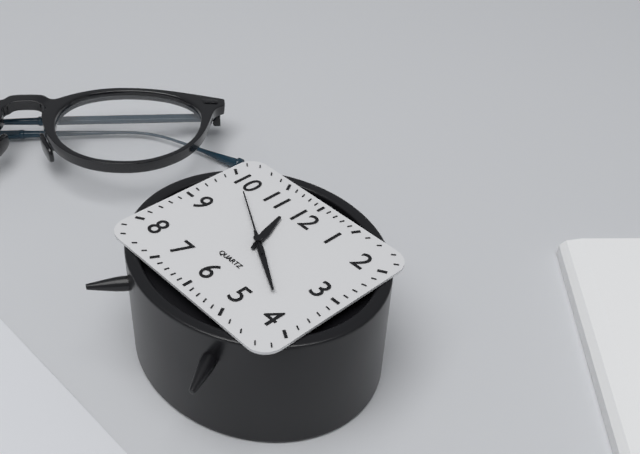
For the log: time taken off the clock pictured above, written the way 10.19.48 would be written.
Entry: 11.20.50
